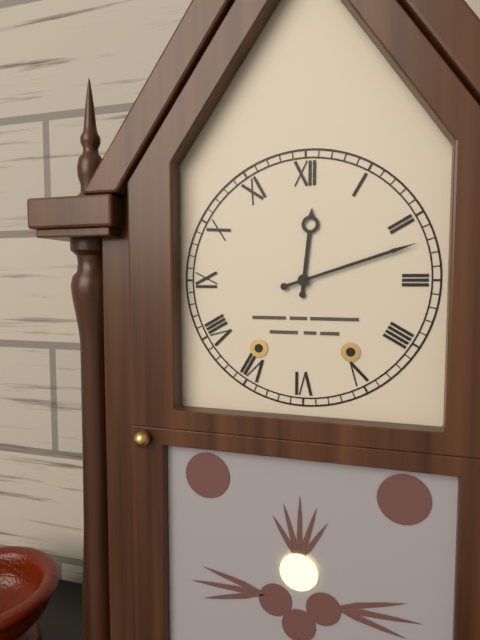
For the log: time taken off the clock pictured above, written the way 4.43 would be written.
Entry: 12.12
